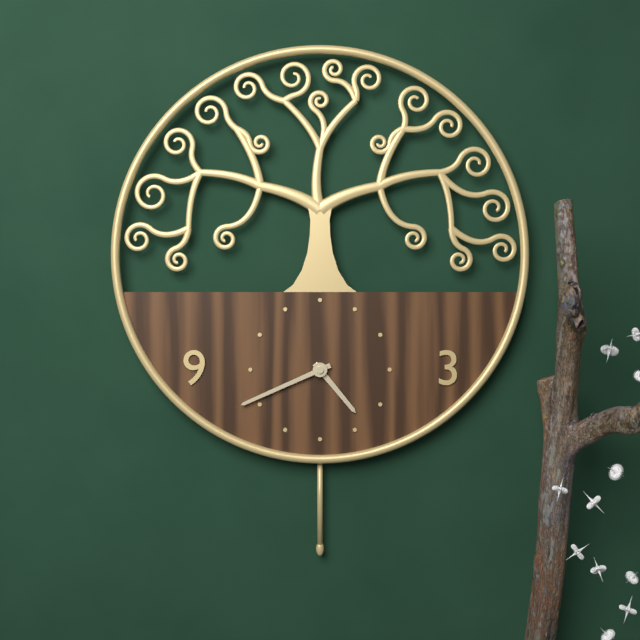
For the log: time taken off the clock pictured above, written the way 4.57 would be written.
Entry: 4.41
